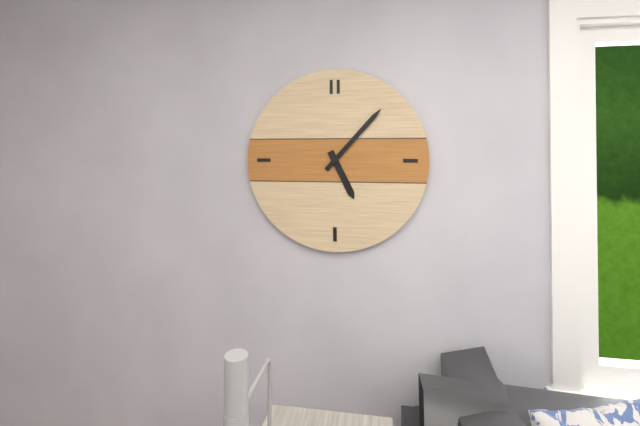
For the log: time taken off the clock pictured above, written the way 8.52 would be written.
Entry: 5.07
